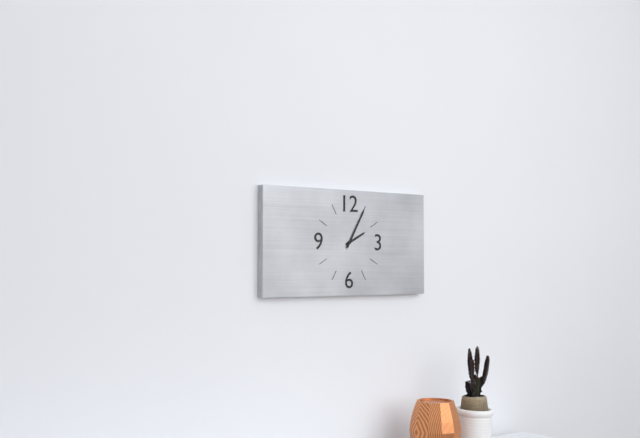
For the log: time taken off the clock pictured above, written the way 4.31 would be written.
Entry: 2.05
